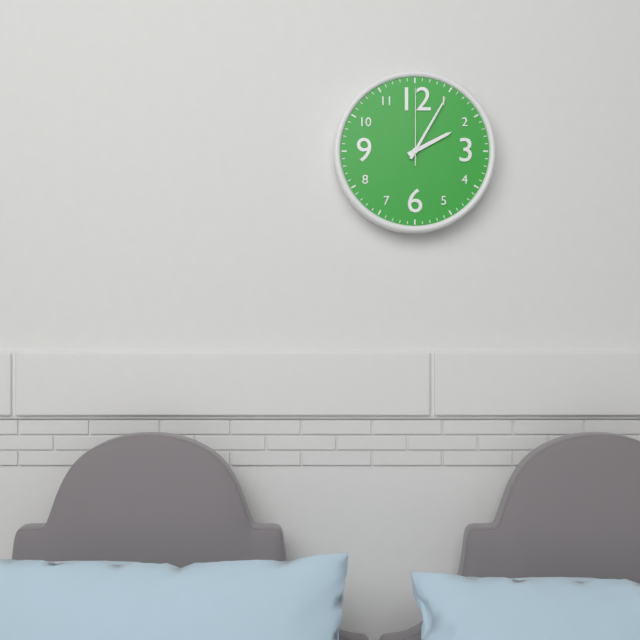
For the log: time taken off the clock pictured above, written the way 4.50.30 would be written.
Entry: 2.05.00
